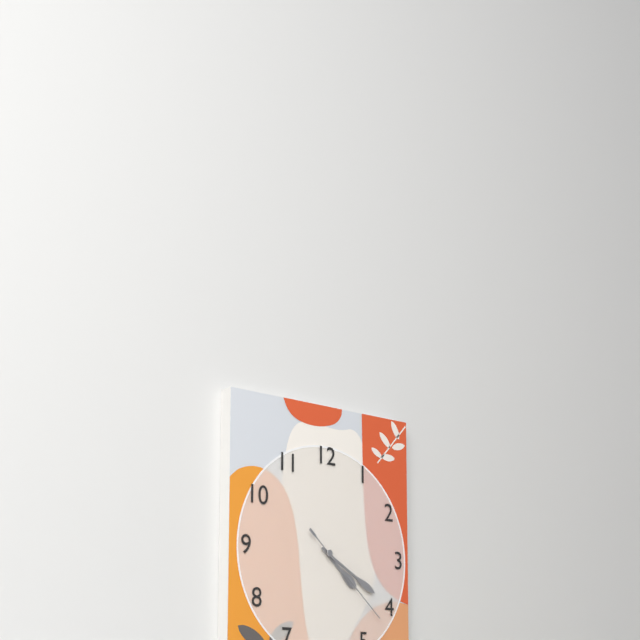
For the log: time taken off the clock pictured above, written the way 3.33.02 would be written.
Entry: 4.20.22
